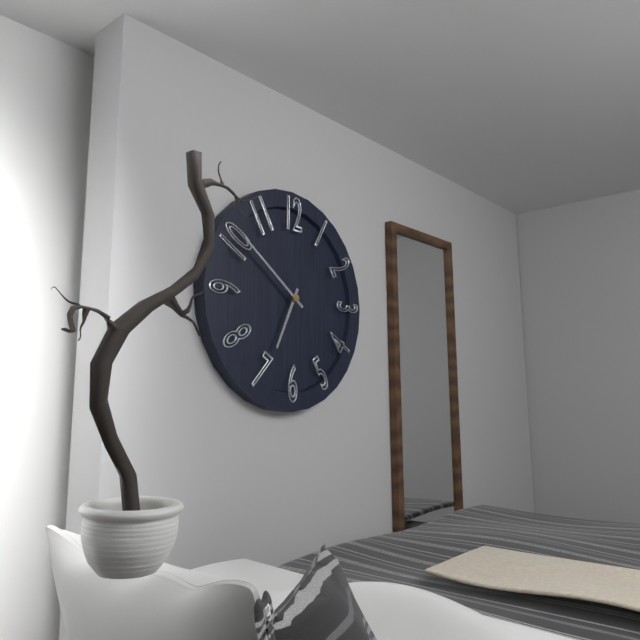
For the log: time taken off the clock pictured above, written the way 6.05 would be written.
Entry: 6.51
